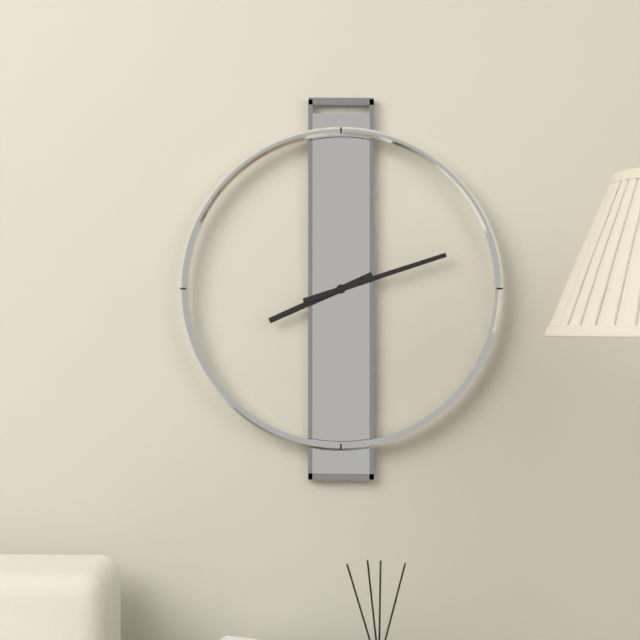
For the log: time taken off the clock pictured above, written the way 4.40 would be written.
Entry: 8.12
